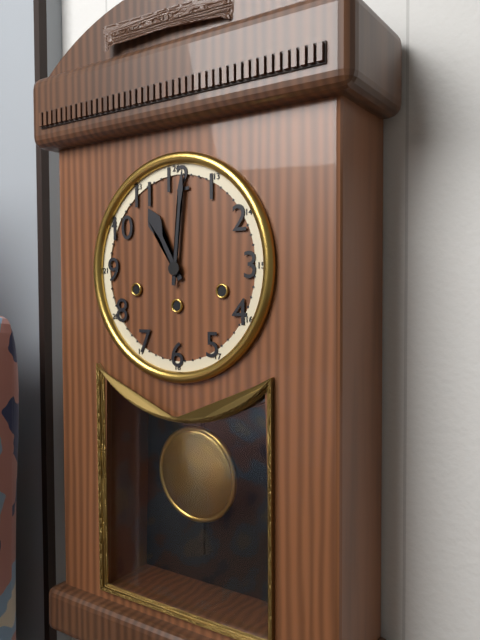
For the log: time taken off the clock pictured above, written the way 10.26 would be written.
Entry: 11.01
